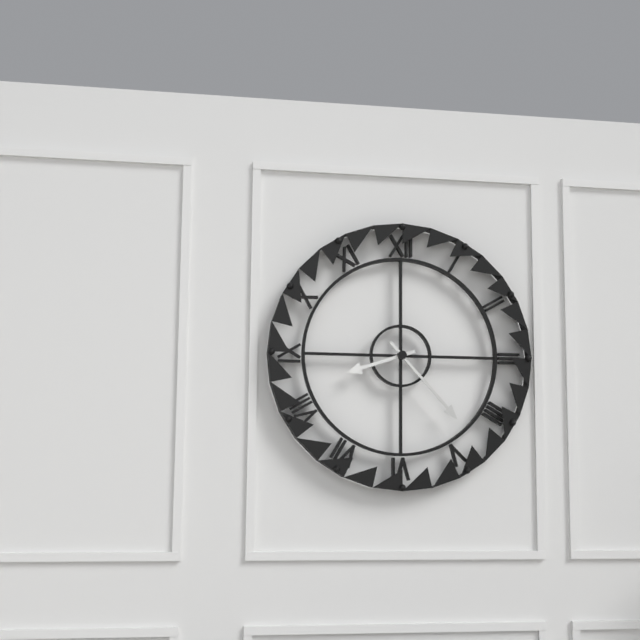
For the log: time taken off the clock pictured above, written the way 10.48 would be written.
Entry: 8.23
